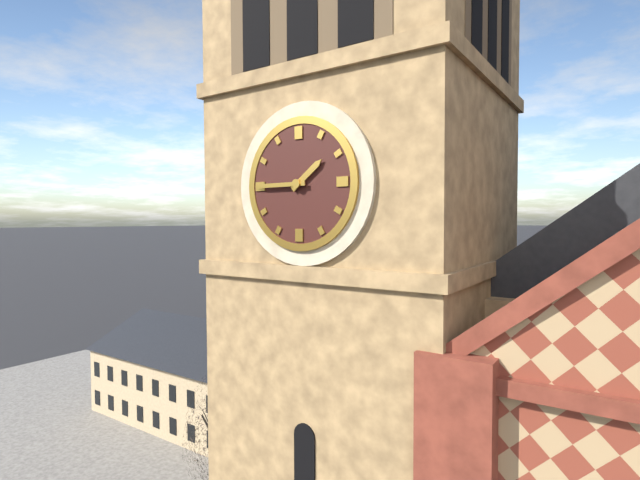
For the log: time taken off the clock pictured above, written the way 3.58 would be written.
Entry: 1.45
